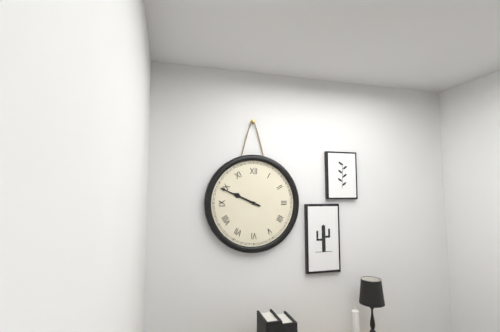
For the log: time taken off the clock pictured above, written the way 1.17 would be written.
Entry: 9.49
